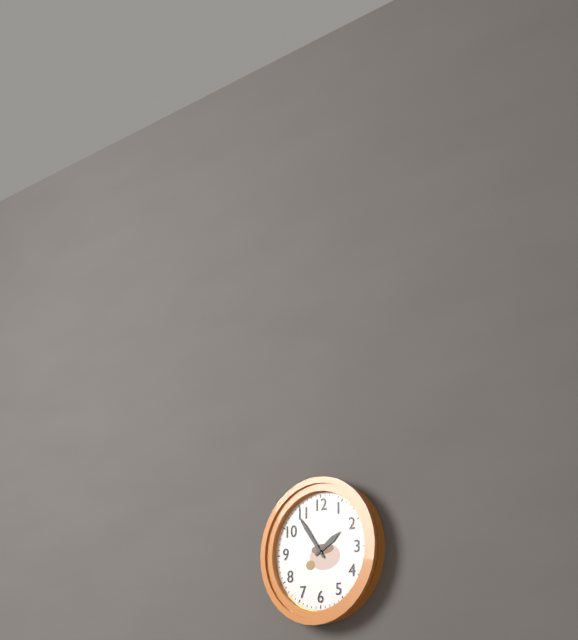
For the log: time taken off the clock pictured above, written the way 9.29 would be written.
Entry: 1.54
